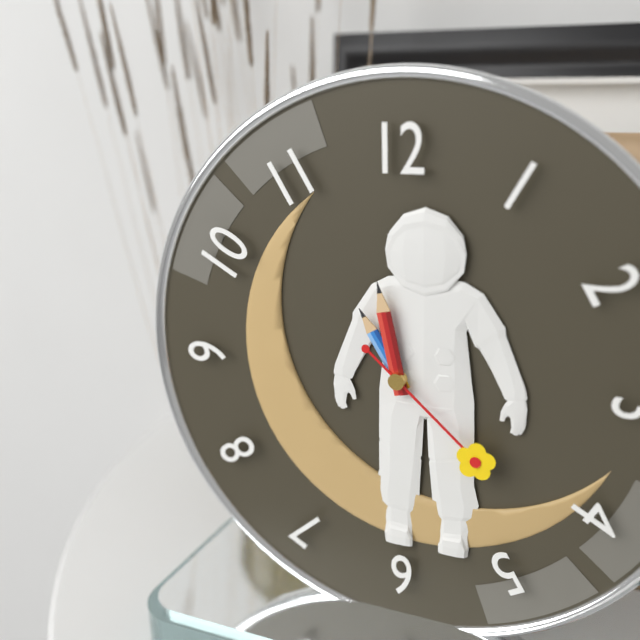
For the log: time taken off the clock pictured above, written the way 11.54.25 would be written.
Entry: 10.58.22
